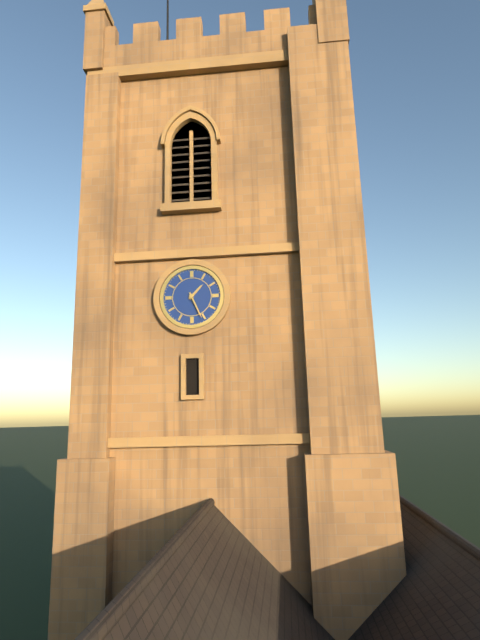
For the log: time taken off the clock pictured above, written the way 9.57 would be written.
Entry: 1.26
